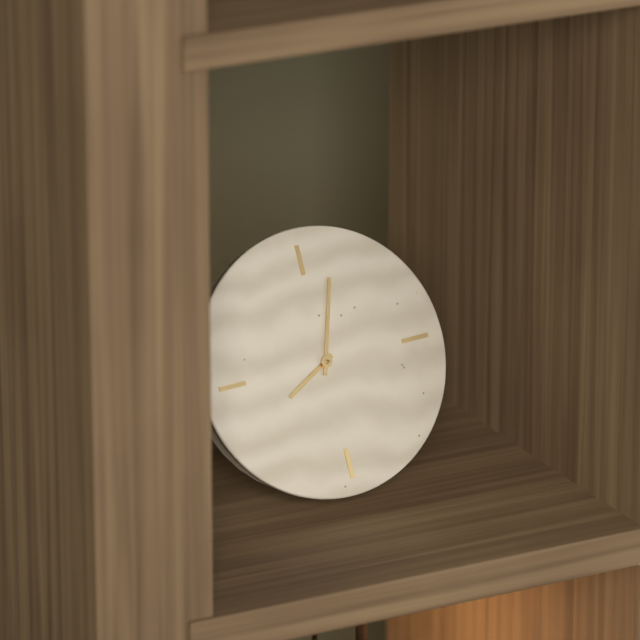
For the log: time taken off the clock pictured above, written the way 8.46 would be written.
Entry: 8.03
